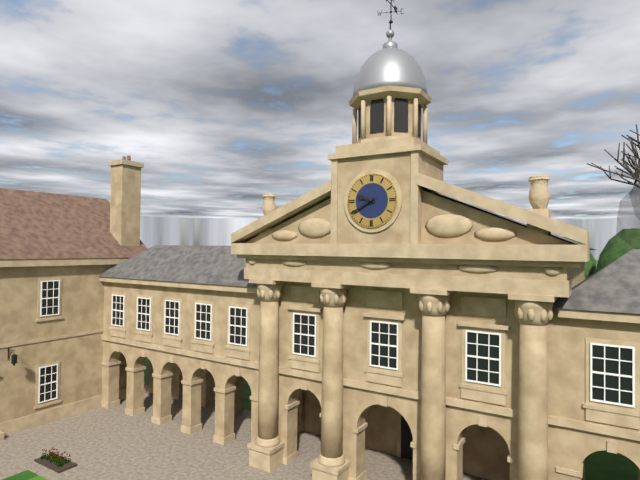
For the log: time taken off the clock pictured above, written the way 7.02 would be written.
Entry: 9.40
